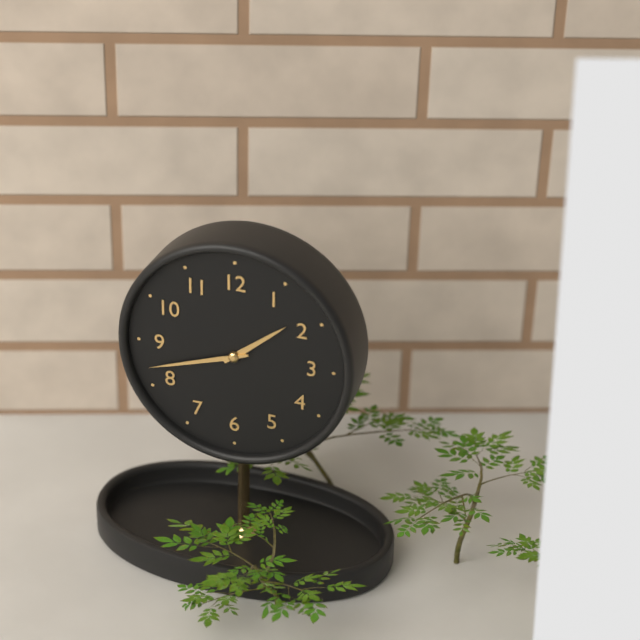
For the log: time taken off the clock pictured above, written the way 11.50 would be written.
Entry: 1.42
